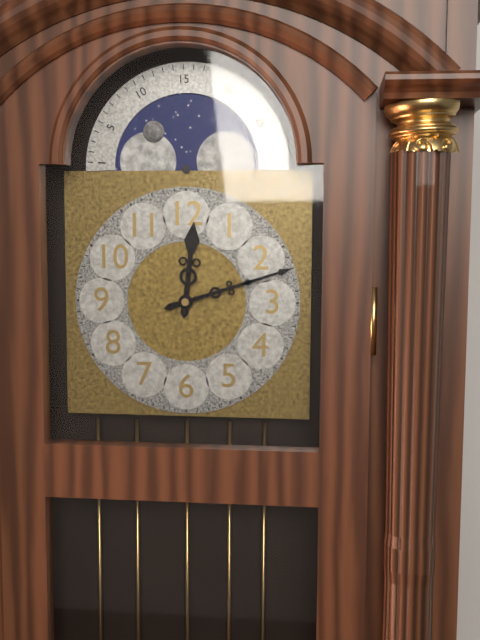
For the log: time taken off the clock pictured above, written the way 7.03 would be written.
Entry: 12.12
